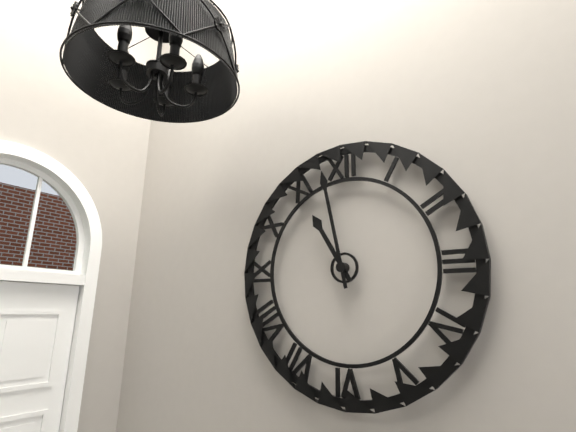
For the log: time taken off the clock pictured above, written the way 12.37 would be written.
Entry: 10.58
